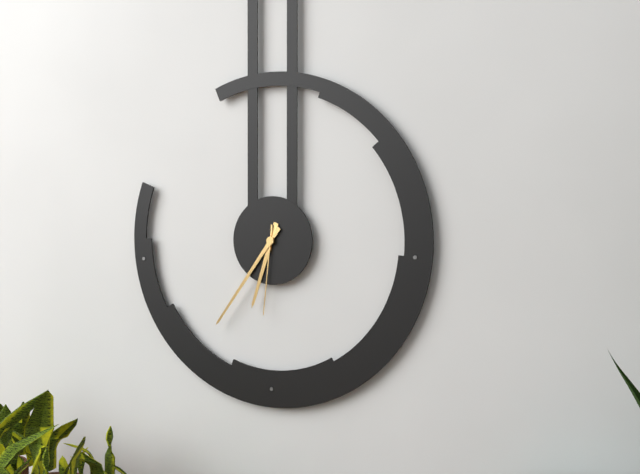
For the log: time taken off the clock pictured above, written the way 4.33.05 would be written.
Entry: 6.36.31
